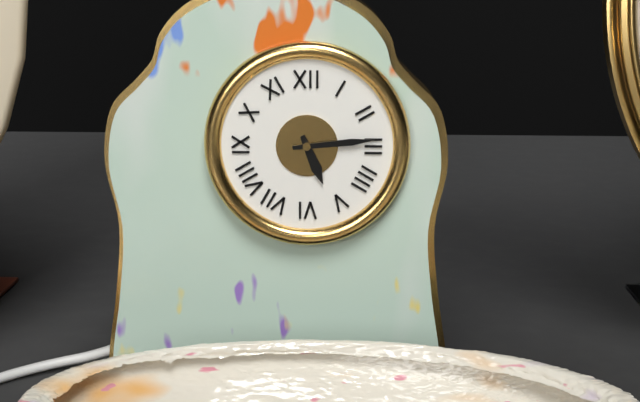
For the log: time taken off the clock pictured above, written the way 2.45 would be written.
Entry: 5.14
